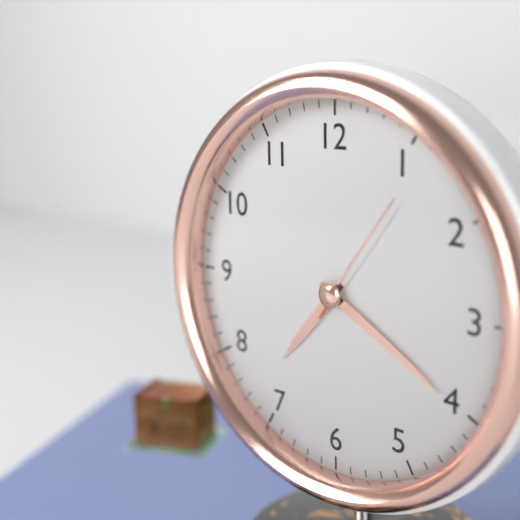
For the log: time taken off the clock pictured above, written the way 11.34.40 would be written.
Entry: 7.20.06
